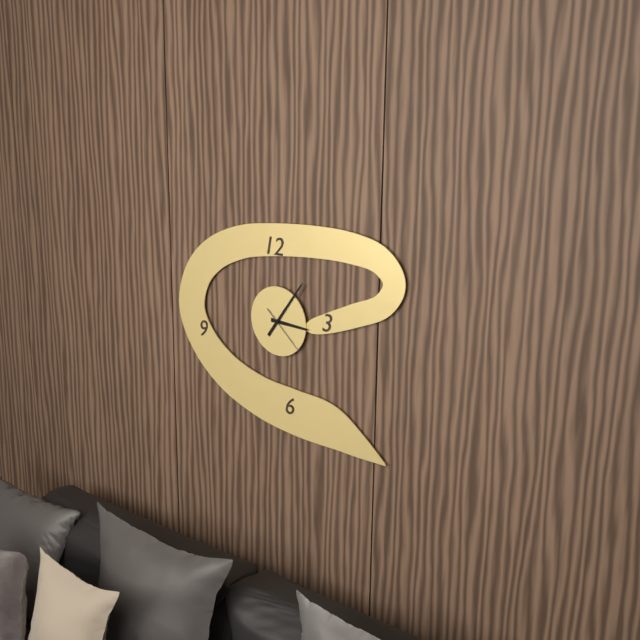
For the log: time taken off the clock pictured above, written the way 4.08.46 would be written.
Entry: 3.06.22
